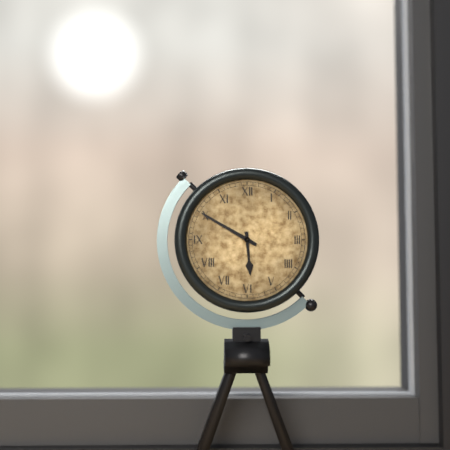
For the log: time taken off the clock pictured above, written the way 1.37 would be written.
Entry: 5.50
